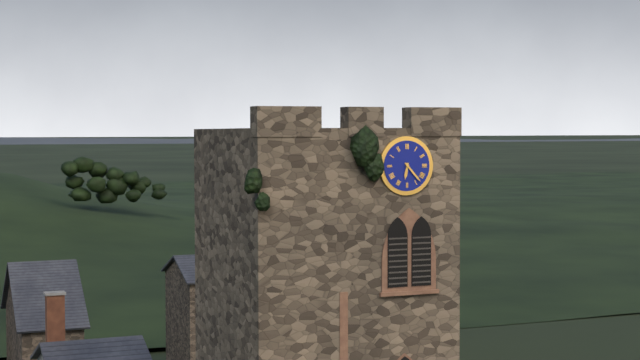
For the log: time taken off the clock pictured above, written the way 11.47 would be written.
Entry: 6.23
